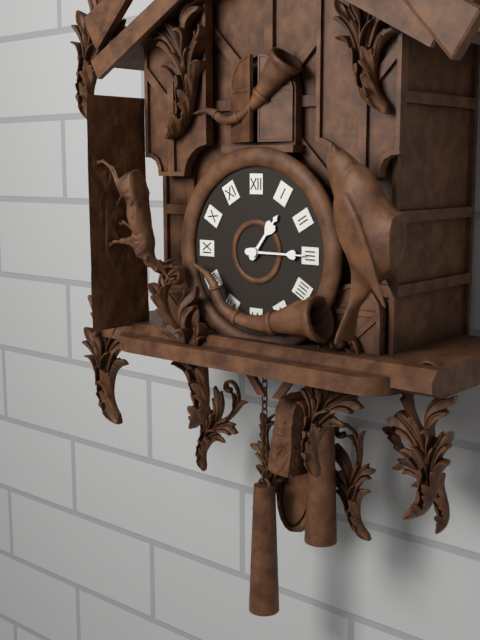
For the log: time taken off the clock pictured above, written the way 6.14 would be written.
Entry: 1.15
